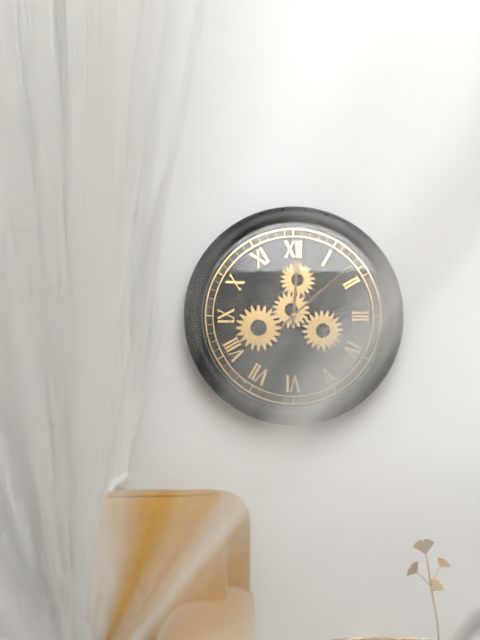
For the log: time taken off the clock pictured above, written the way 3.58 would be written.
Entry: 12.08
